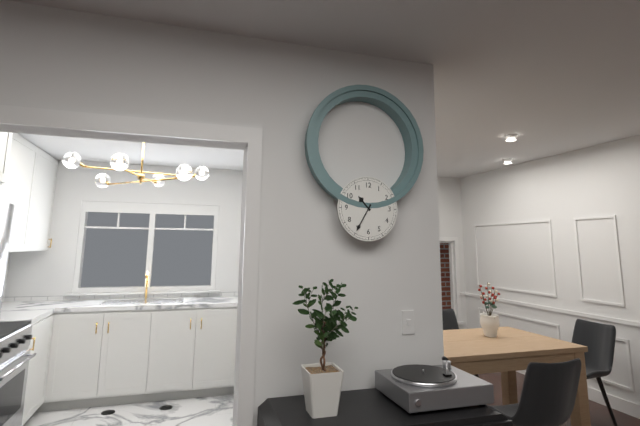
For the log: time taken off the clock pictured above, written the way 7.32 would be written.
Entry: 10.35
